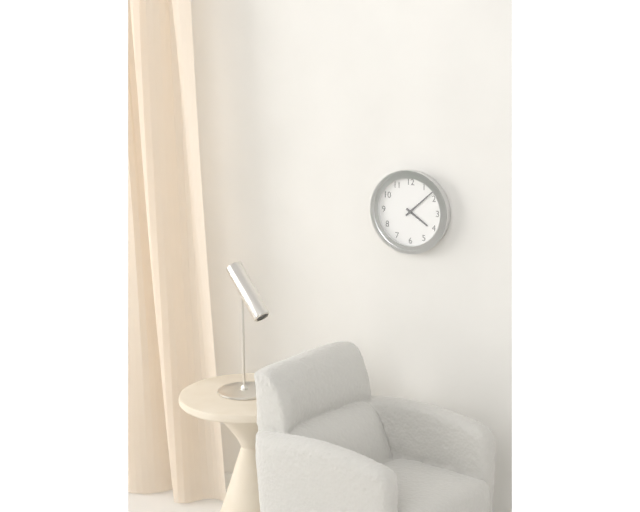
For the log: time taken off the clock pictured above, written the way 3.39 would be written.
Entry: 4.08
